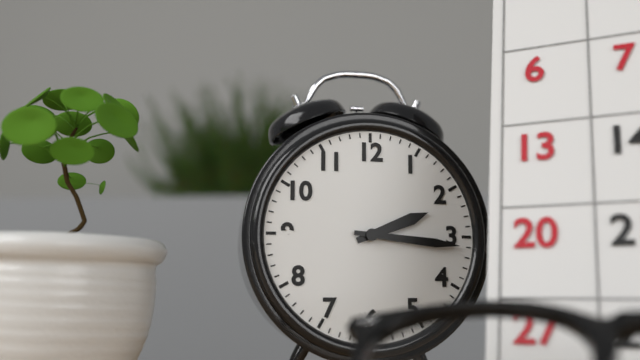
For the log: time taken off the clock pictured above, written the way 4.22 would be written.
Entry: 2.16
